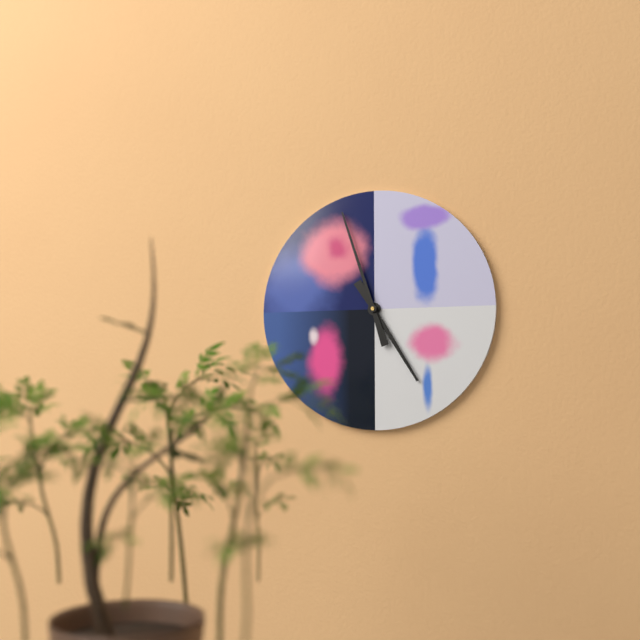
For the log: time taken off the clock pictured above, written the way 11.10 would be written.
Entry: 4.57
